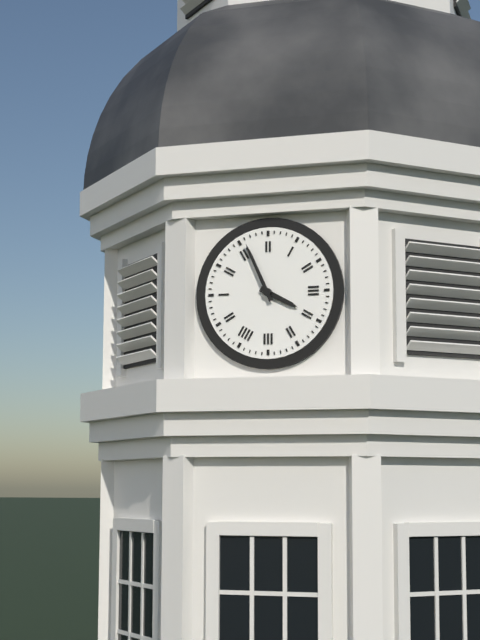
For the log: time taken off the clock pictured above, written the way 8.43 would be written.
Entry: 3.56
